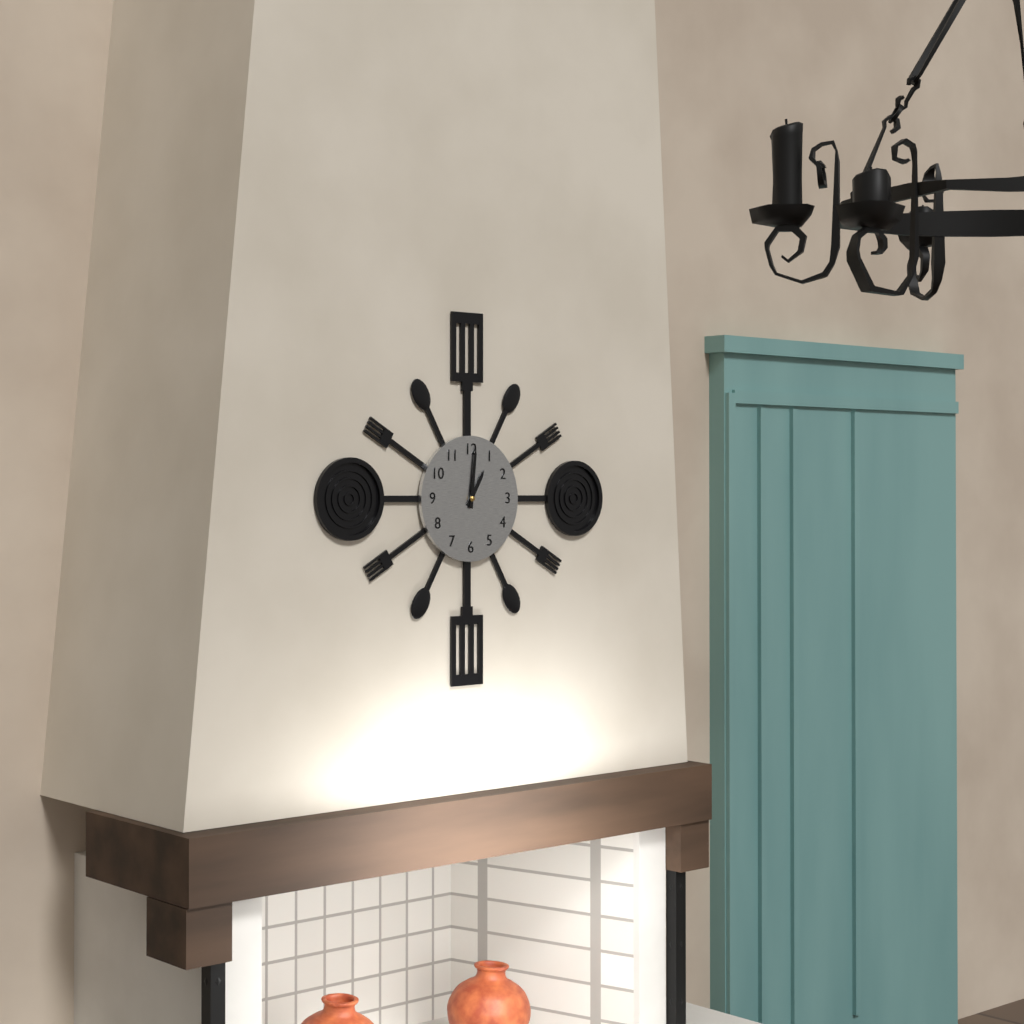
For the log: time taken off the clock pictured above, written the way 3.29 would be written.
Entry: 1.01
